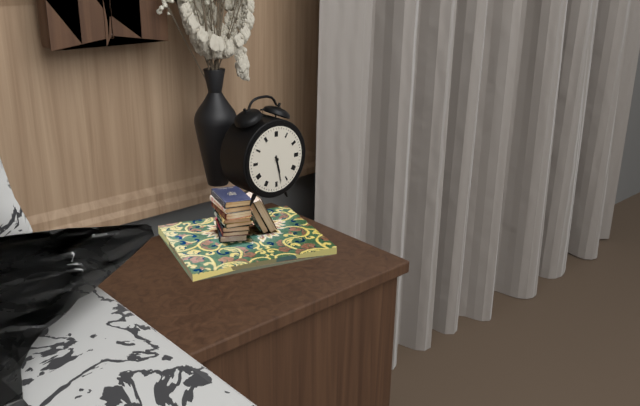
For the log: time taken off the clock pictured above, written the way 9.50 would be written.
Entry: 5.28
